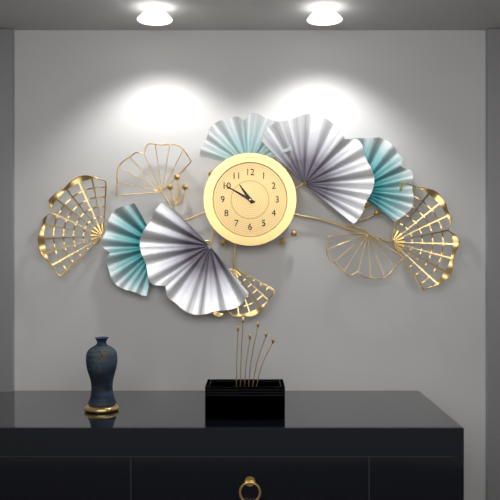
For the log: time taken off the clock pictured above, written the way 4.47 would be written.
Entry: 10.50
